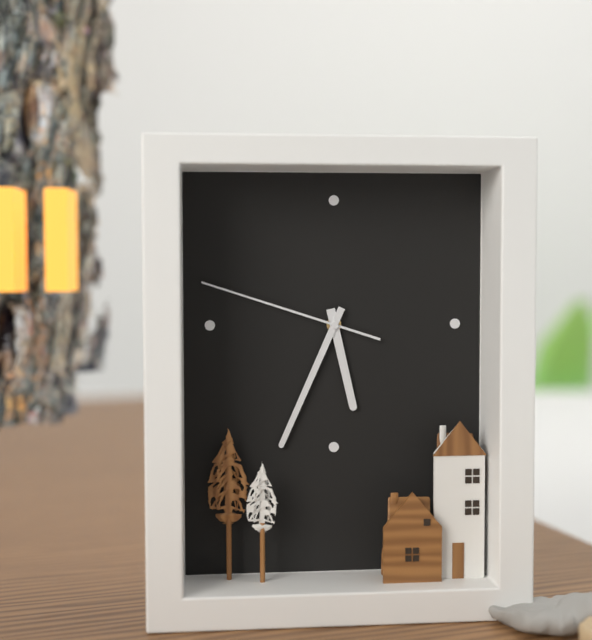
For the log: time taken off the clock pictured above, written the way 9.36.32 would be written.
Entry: 5.34.48
